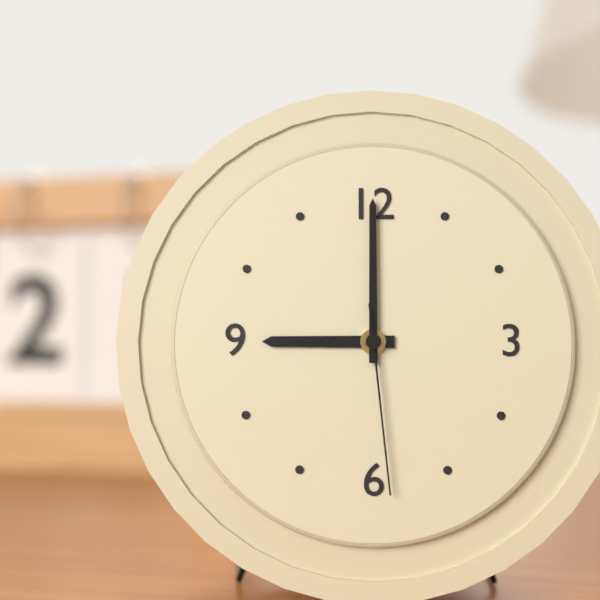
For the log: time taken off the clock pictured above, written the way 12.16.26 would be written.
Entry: 9.00.29
